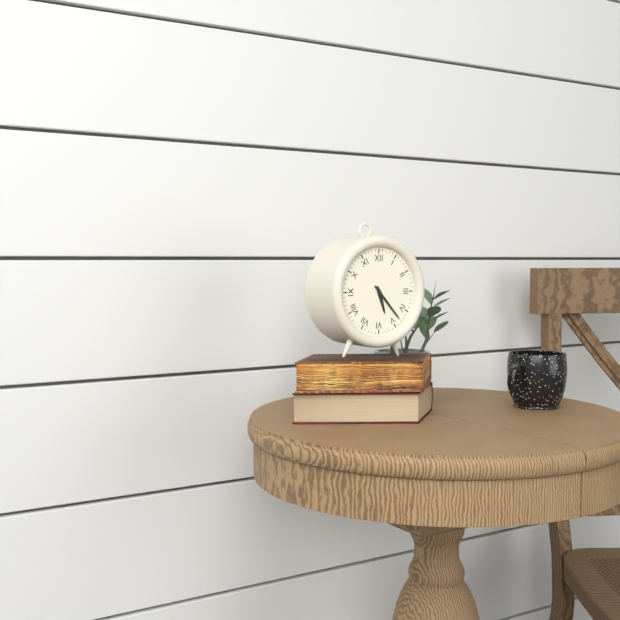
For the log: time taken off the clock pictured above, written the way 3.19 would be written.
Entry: 5.23
